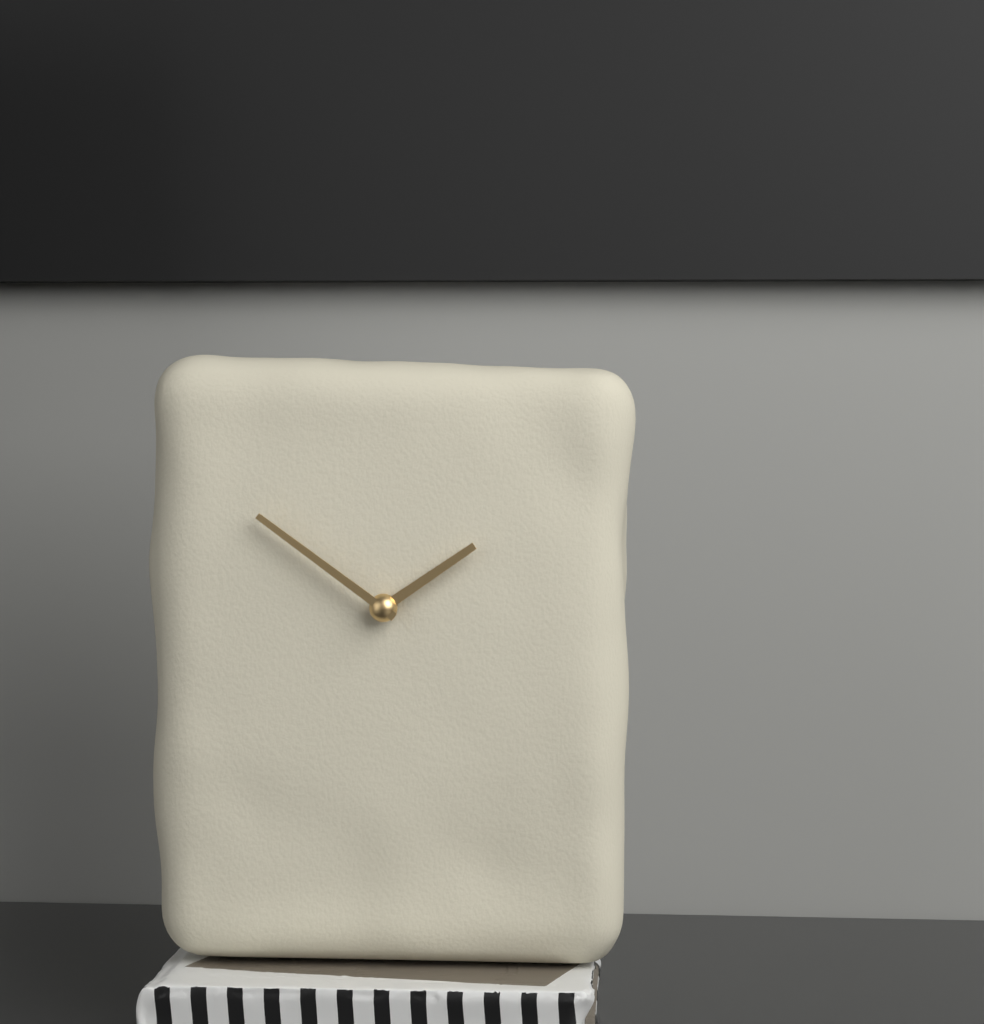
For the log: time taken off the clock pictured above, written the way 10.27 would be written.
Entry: 1.51
